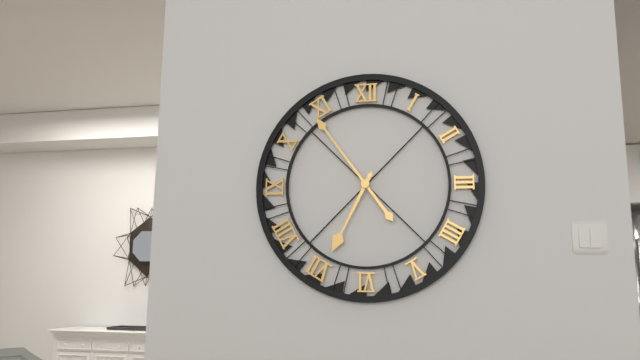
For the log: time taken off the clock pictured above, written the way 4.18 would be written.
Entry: 6.54
